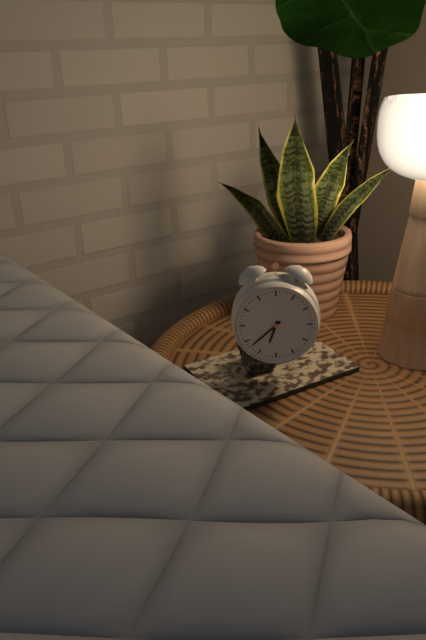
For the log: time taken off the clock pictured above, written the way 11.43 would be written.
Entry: 6.38
